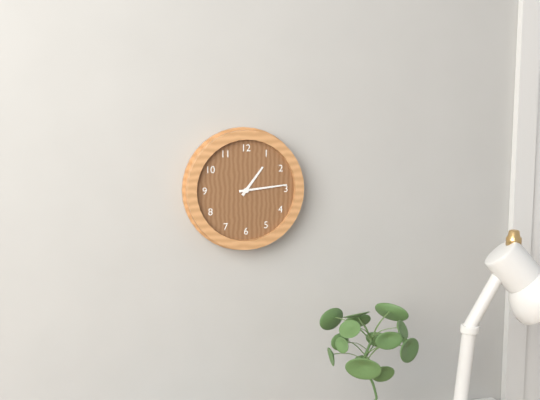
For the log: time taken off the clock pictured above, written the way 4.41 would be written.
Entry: 1.14
